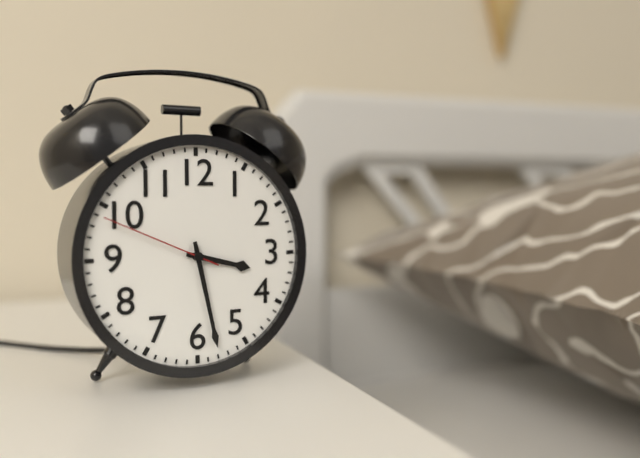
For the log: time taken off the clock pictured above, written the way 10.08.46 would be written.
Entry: 3.28.49
